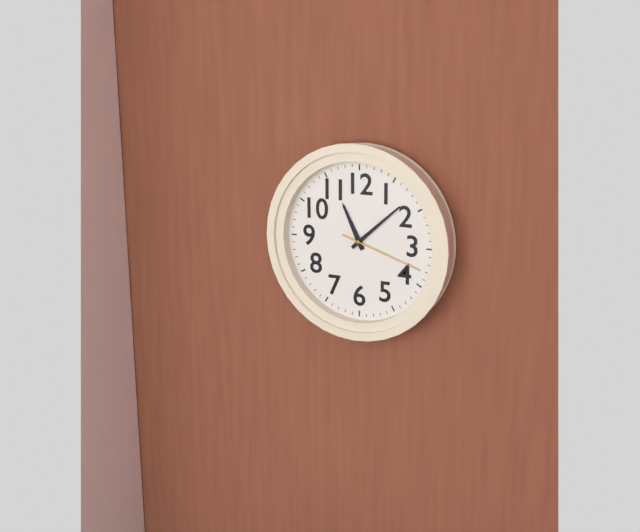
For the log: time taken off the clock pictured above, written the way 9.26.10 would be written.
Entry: 11.08.18
